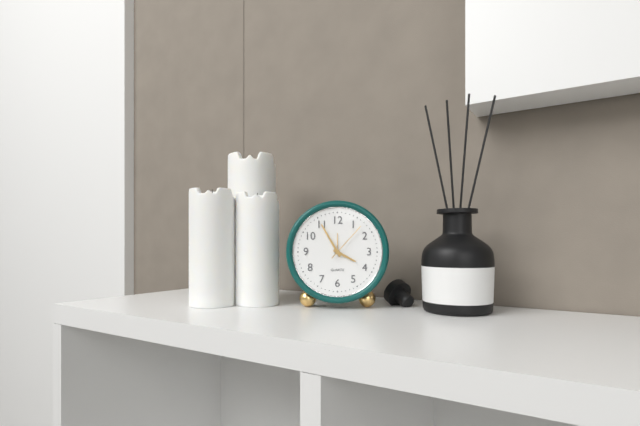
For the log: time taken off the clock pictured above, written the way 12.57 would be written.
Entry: 3.55
